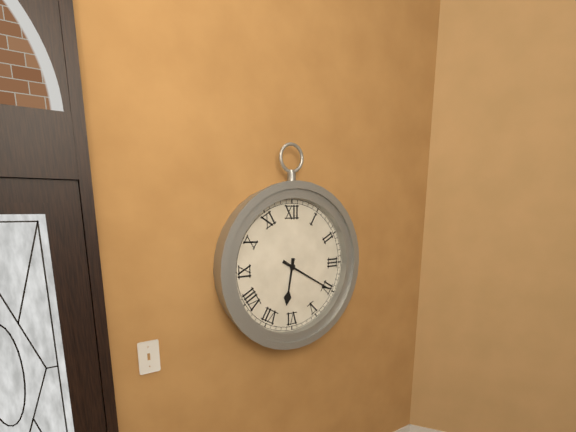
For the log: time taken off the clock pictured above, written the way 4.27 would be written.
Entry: 6.20
